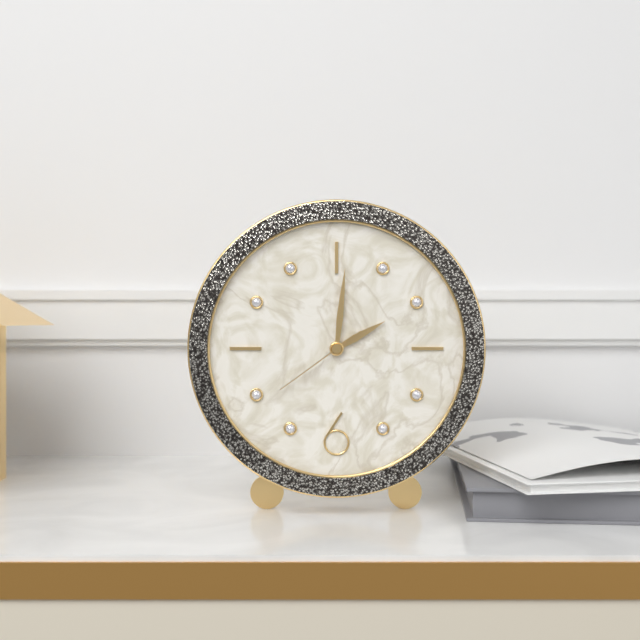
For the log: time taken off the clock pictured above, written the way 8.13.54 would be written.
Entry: 2.01.39
